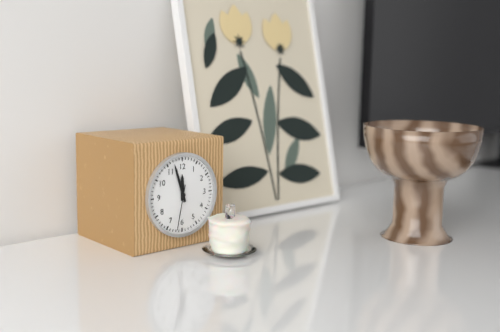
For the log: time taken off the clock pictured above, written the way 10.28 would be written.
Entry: 11.57
